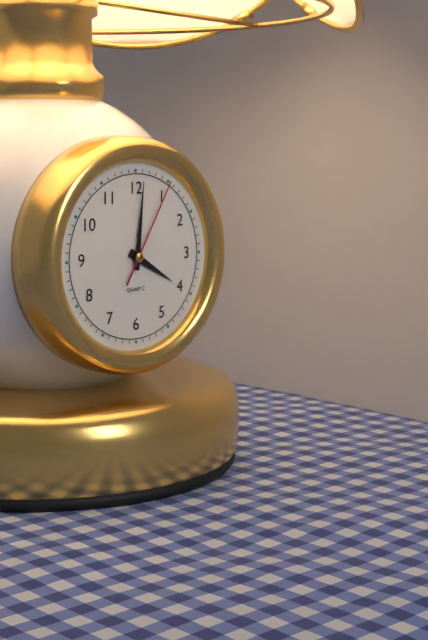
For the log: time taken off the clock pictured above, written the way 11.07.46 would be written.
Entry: 4.01.05
